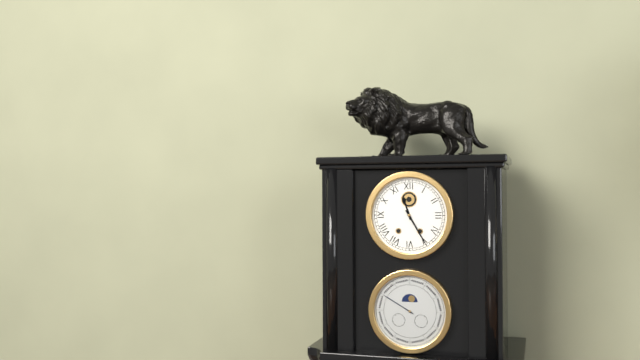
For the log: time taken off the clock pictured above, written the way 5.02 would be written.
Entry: 11.25
